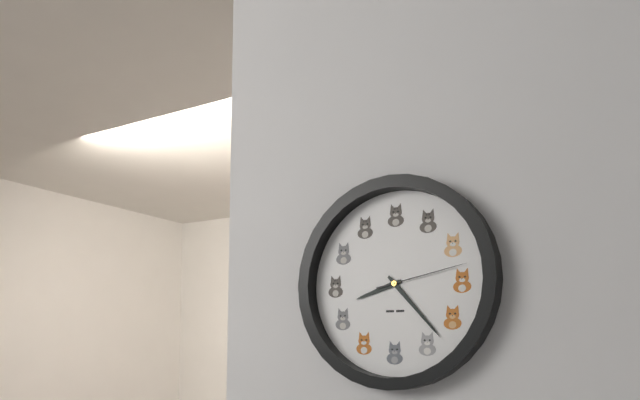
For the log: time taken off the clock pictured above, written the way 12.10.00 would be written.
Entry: 8.23.13
